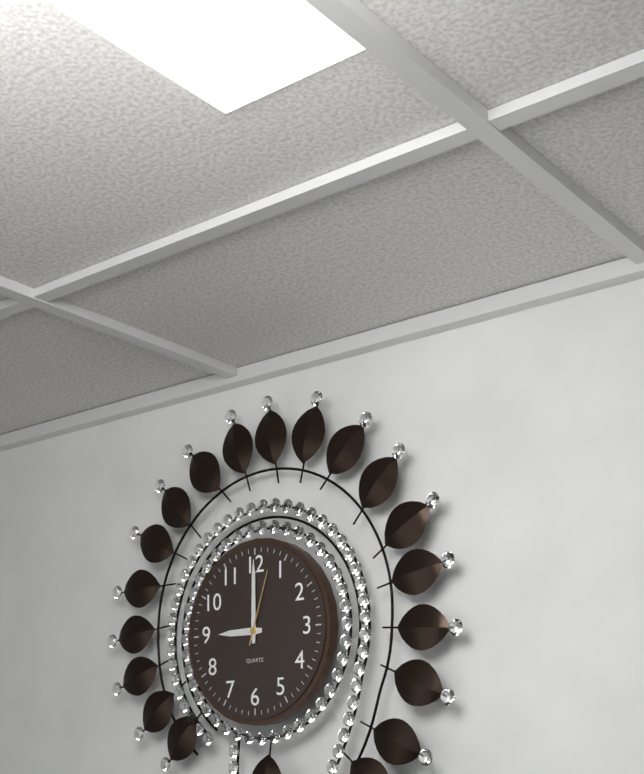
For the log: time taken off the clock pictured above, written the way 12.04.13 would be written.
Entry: 9.00.03
